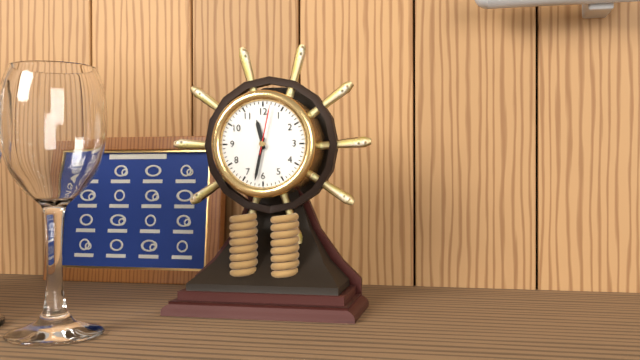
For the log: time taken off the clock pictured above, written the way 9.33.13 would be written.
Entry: 11.32.02
